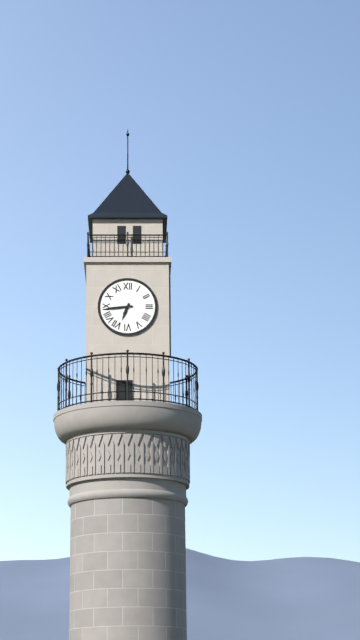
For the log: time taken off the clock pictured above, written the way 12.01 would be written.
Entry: 6.44
